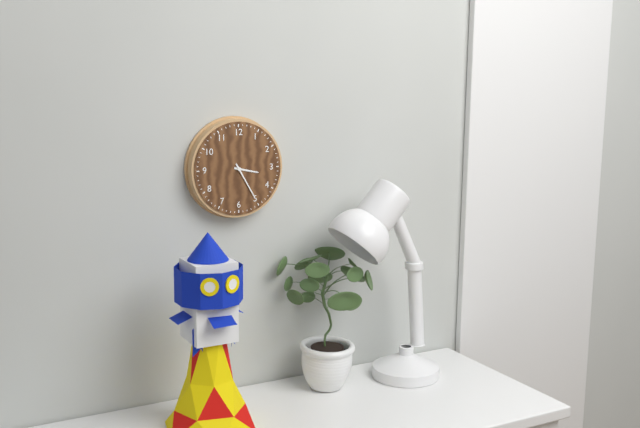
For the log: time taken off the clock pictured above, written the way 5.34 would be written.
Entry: 3.25
